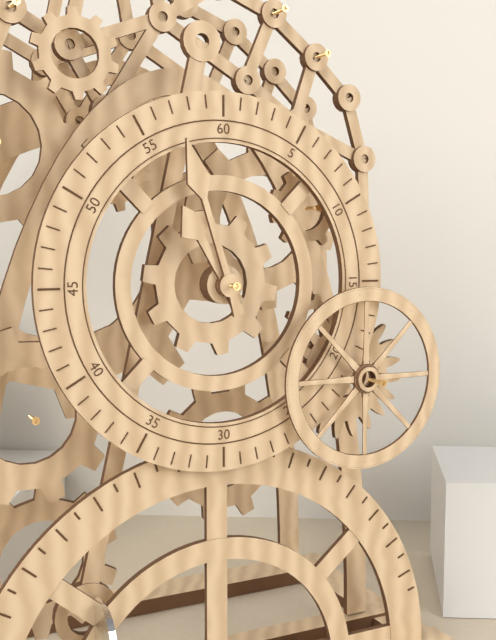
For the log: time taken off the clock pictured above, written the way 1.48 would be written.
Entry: 10.57
